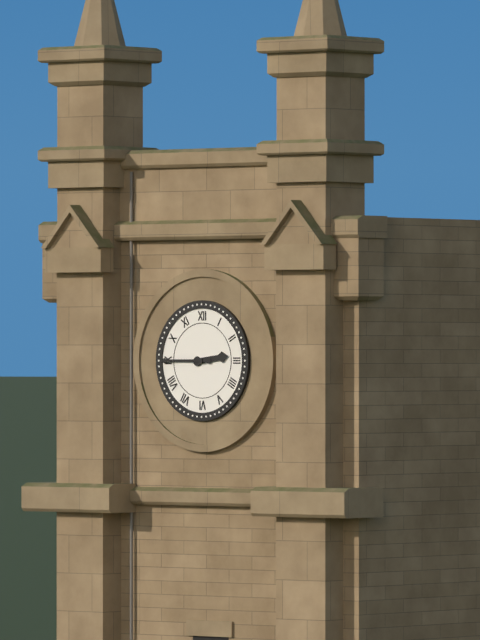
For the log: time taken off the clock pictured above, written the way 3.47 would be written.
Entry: 2.45
